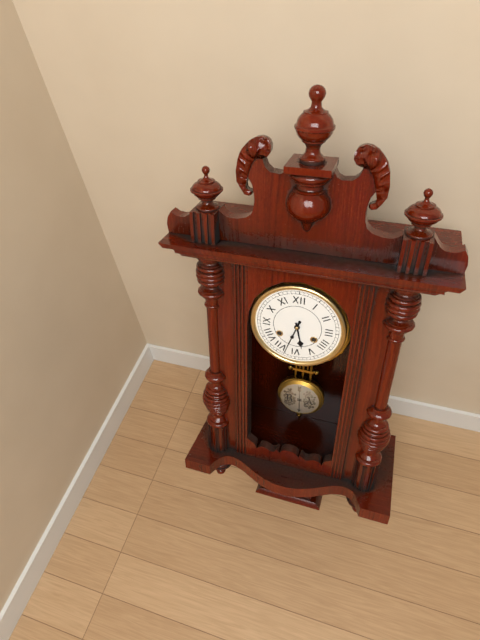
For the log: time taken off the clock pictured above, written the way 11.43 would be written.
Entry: 5.33
